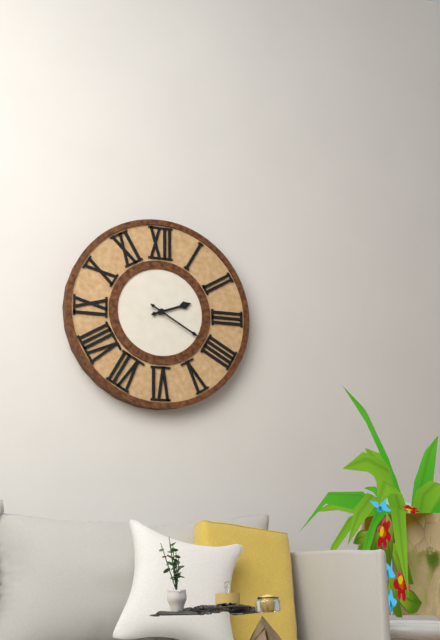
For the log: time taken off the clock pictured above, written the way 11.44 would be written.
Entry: 2.20
